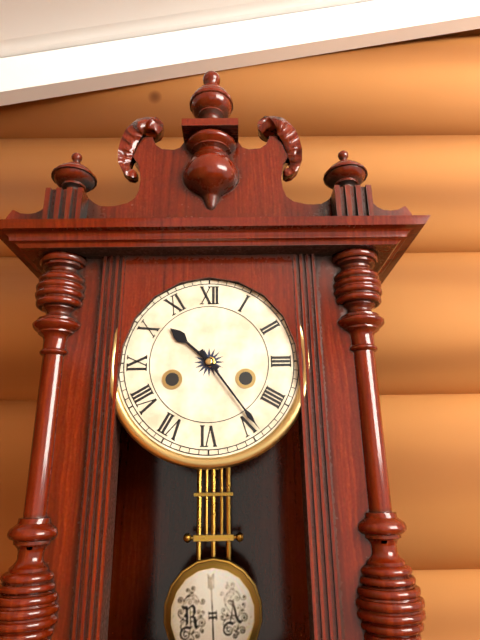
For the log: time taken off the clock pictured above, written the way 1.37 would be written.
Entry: 10.24
